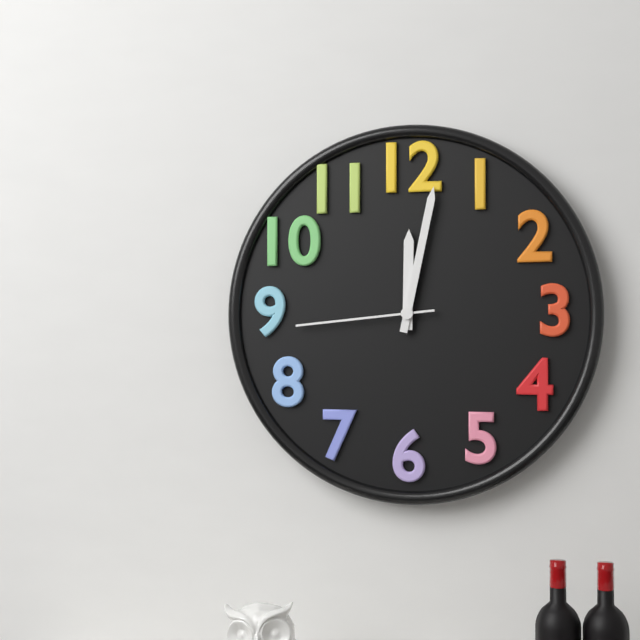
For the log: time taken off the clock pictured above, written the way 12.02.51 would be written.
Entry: 12.02.44
